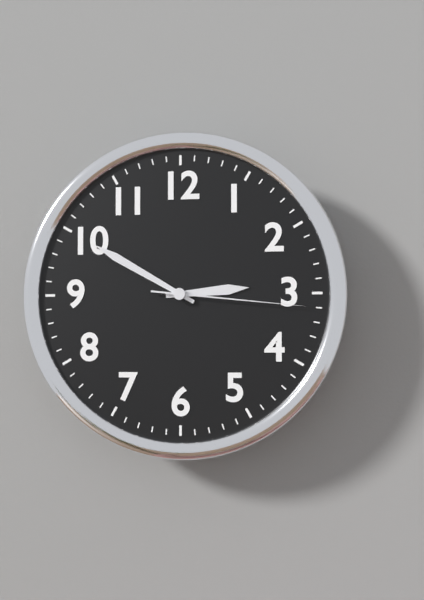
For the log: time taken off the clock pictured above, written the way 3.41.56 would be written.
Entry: 2.50.16
